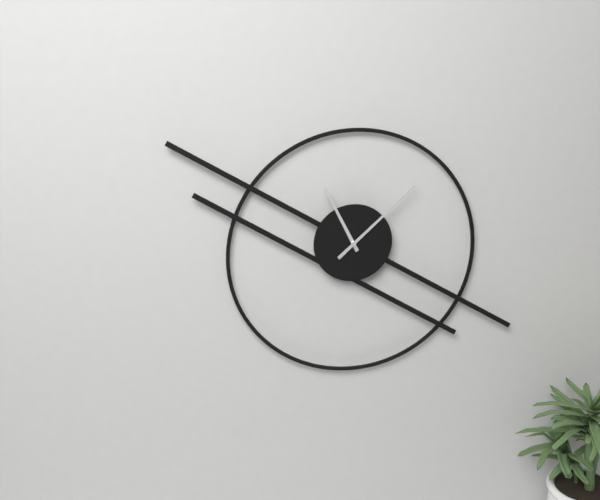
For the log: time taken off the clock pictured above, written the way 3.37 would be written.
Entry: 11.08
